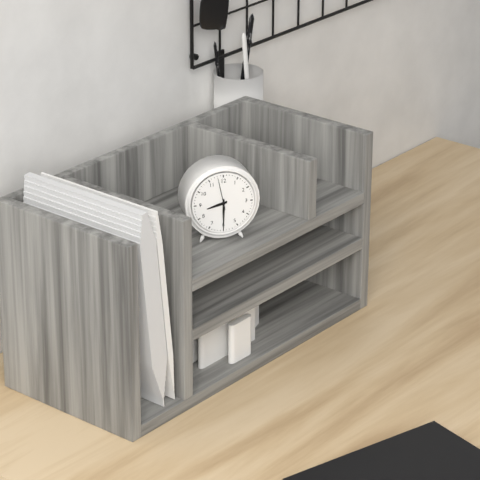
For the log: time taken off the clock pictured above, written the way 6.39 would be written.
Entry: 8.30
